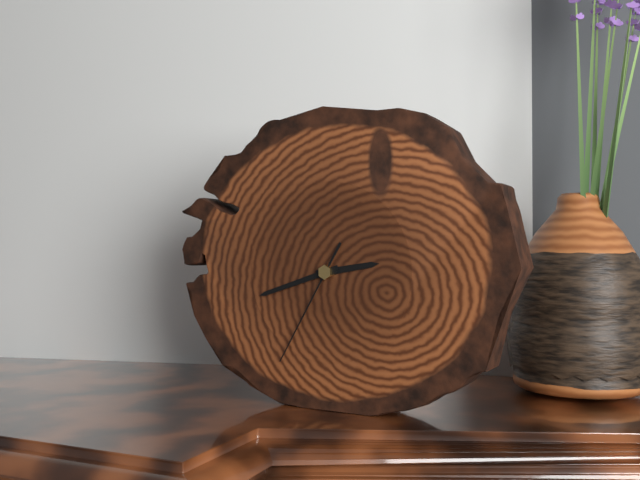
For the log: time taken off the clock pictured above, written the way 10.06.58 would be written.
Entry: 2.42.35
